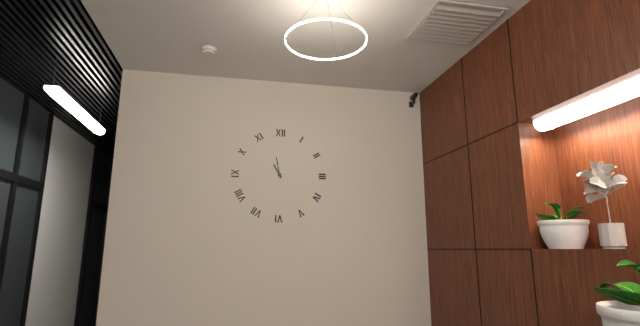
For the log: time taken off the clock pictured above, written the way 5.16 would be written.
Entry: 10.58
